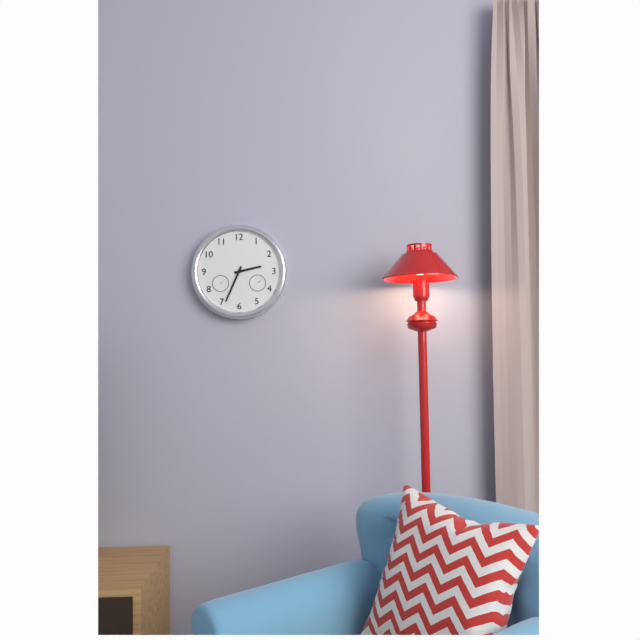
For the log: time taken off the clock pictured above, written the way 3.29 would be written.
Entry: 2.34
